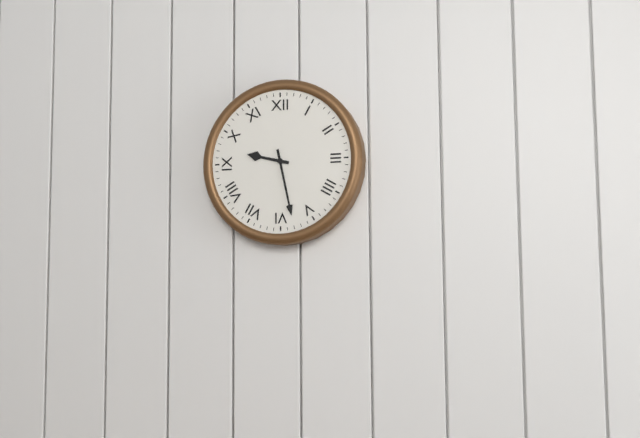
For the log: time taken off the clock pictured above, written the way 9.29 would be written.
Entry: 9.28
